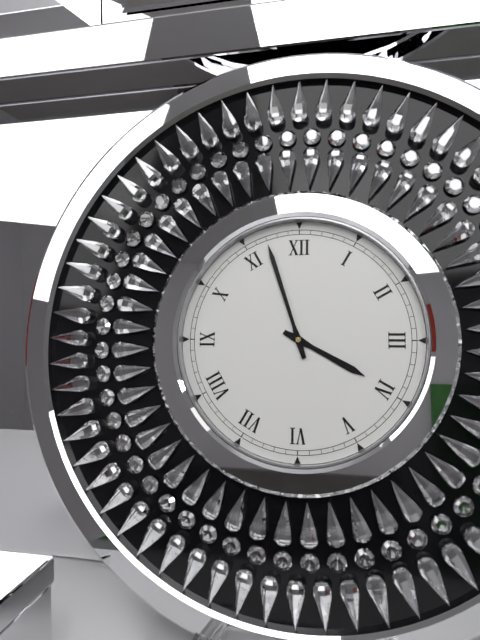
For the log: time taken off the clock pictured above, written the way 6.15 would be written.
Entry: 3.57
